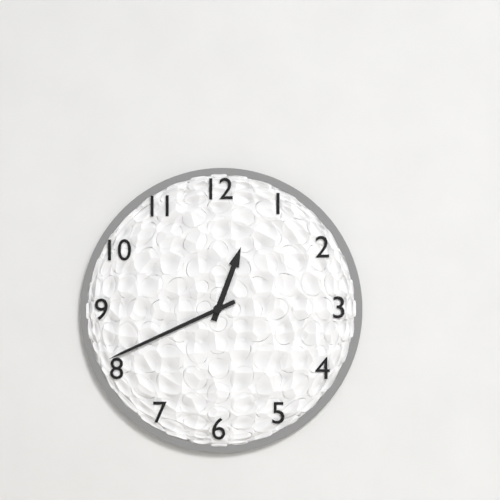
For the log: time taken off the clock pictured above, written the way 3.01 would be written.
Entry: 12.41
